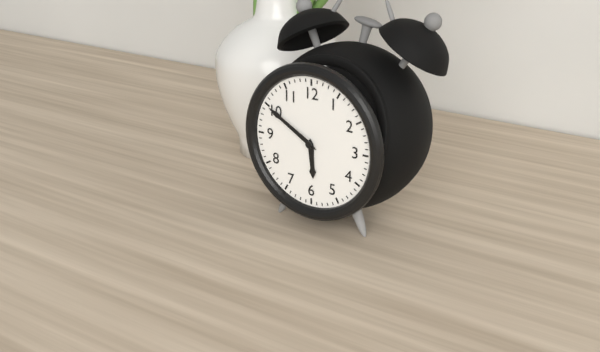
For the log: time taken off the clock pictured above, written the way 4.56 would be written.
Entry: 5.50
